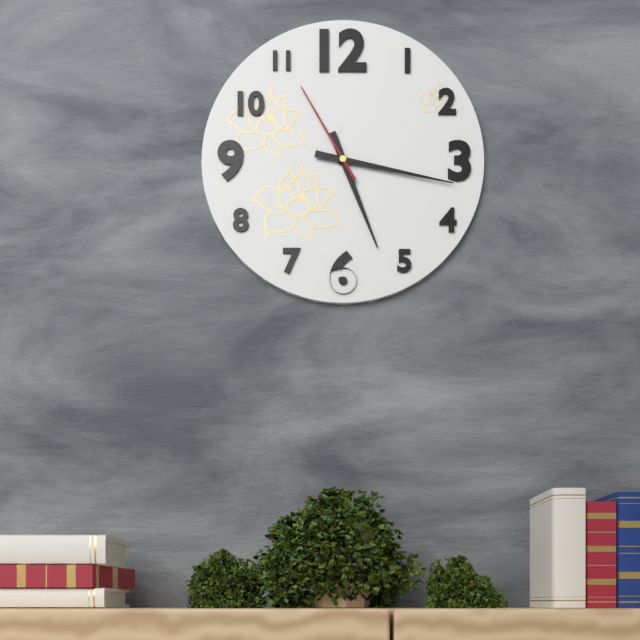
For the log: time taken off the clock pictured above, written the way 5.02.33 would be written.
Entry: 5.17.55
